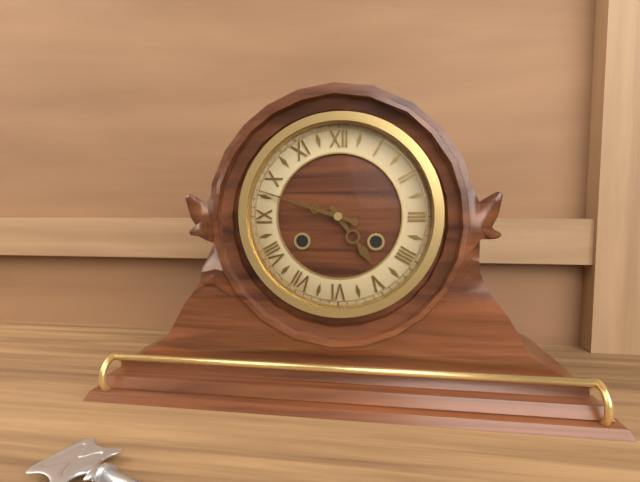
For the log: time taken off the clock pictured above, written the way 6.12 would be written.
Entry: 4.48
